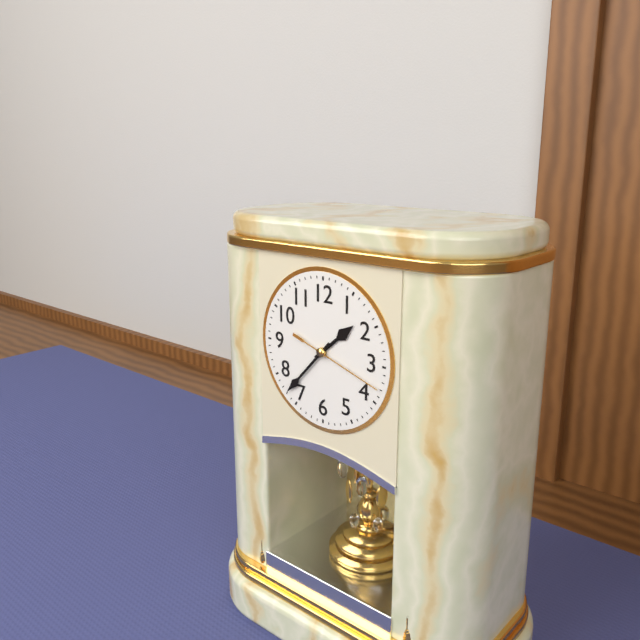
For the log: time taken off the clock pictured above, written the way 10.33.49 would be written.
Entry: 1.37.18
